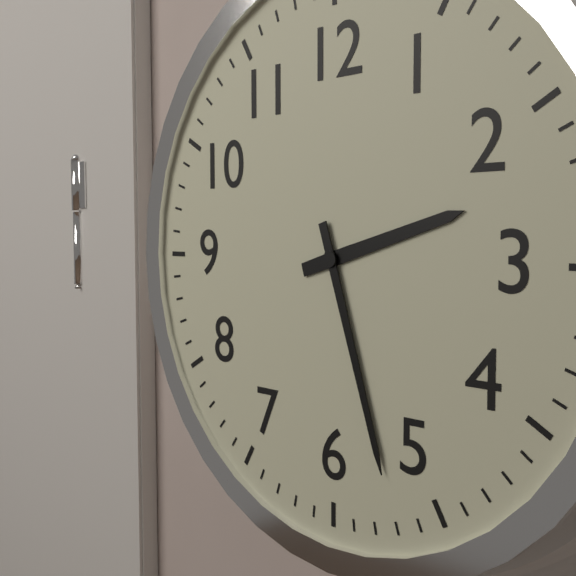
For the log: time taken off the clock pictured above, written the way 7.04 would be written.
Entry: 2.27
